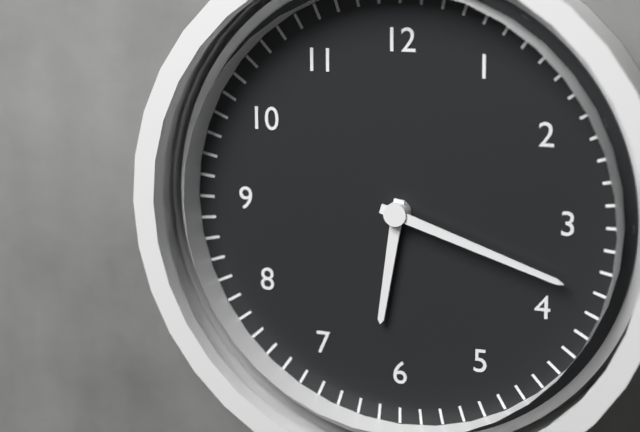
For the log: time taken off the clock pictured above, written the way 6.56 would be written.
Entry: 6.18
